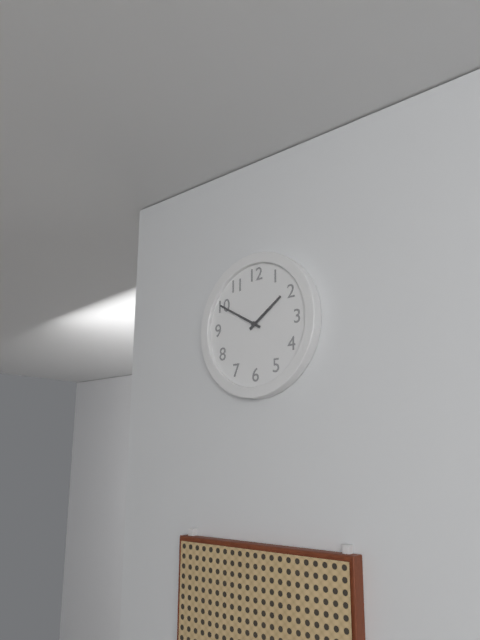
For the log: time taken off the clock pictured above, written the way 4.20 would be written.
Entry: 1.50
